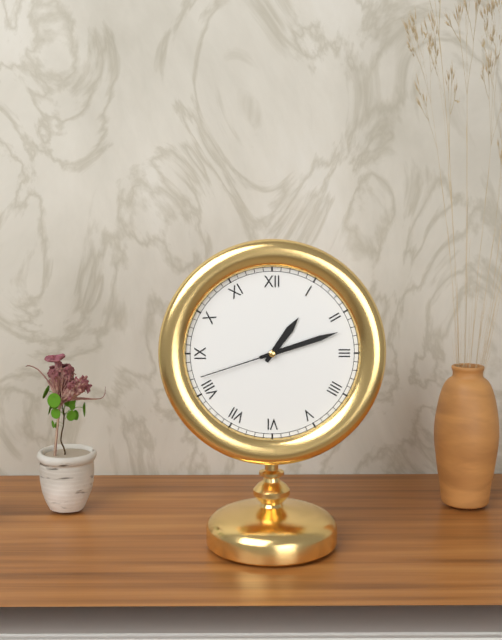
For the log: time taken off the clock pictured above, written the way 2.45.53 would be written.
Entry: 1.12.42
